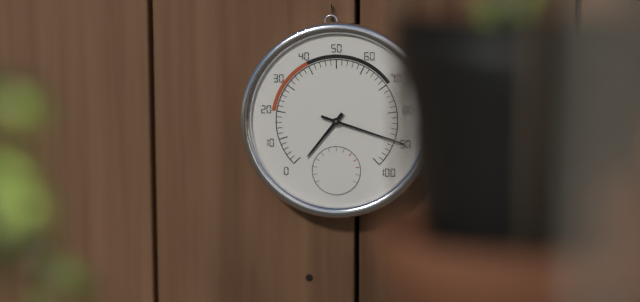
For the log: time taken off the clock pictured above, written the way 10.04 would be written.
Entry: 7.18
